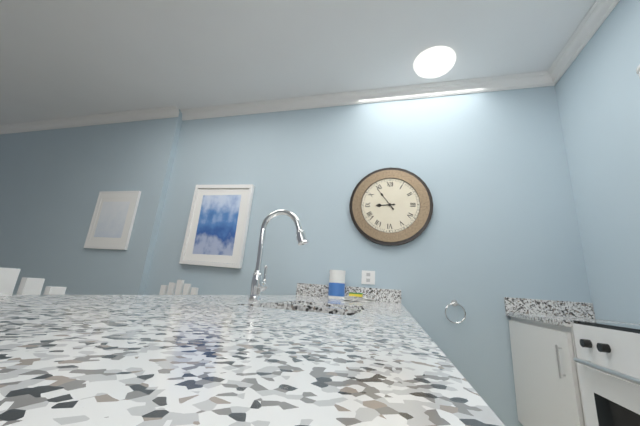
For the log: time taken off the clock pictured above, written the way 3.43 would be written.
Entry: 8.54
